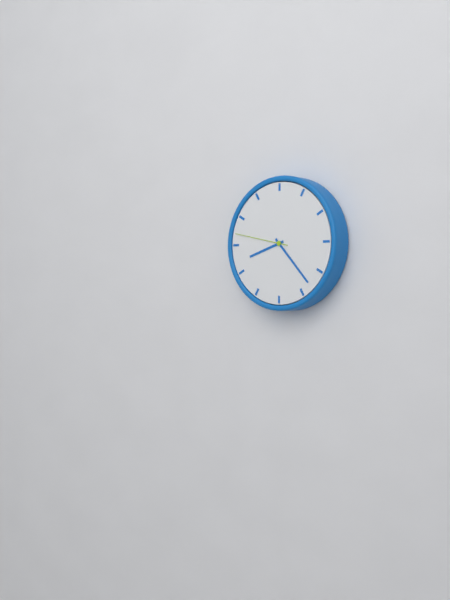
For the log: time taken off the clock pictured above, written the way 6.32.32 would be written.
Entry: 8.23.47
